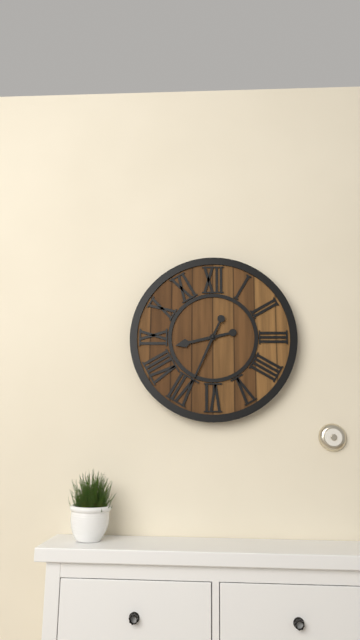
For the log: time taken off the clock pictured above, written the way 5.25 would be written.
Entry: 8.34
